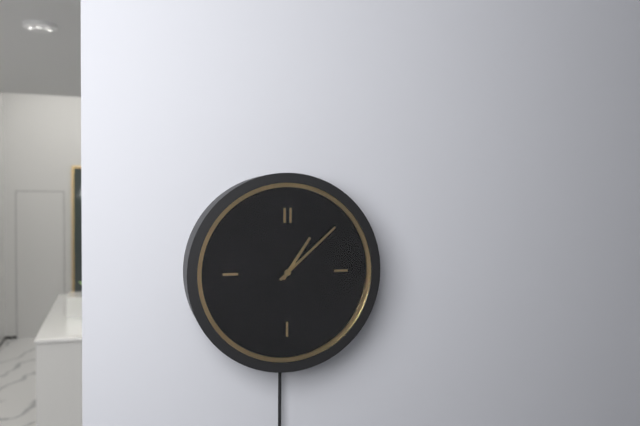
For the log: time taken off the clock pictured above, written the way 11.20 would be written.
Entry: 1.08
